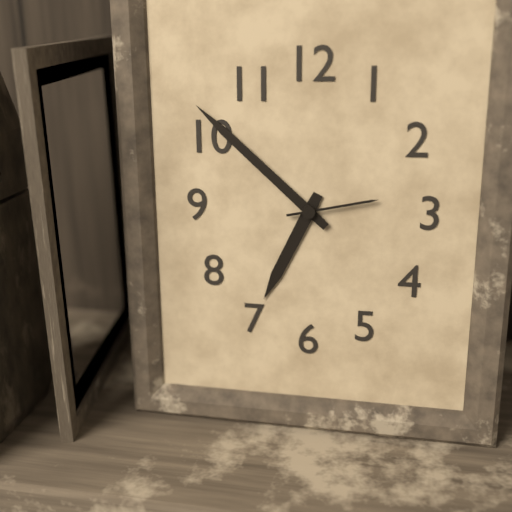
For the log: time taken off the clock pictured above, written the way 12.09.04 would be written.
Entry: 6.52.13
